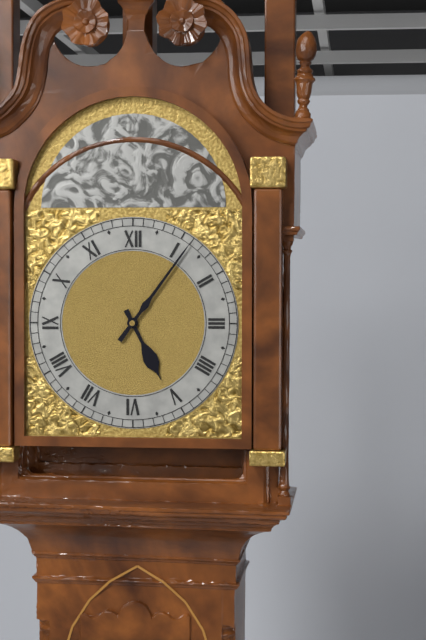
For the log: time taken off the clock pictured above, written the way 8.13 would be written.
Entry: 5.06
